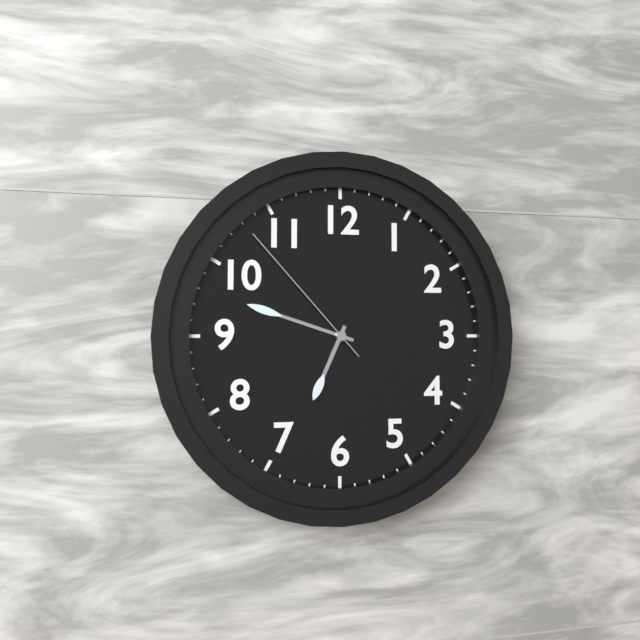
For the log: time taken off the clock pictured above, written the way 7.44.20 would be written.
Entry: 6.48.53
